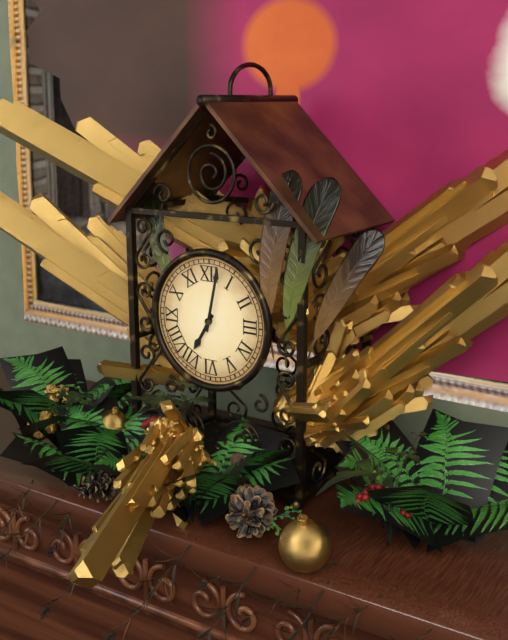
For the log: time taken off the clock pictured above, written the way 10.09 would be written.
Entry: 7.02
